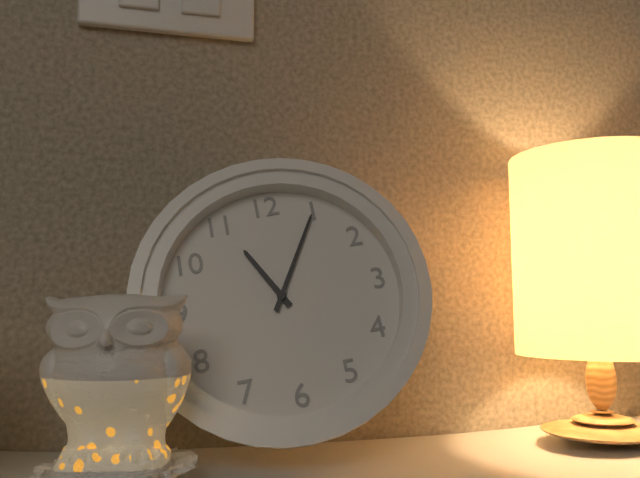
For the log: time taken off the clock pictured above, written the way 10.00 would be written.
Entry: 11.05
